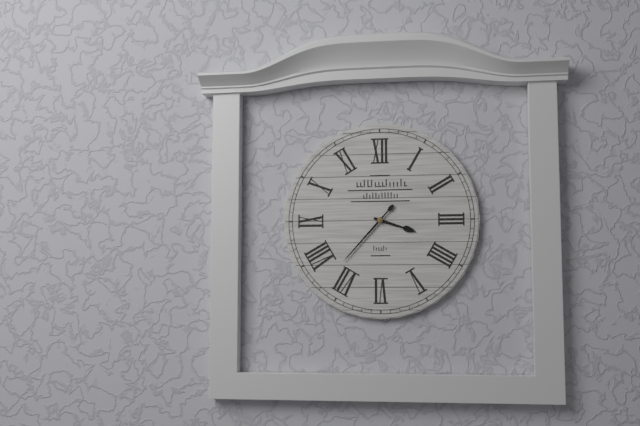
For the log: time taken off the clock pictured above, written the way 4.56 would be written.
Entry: 3.37
